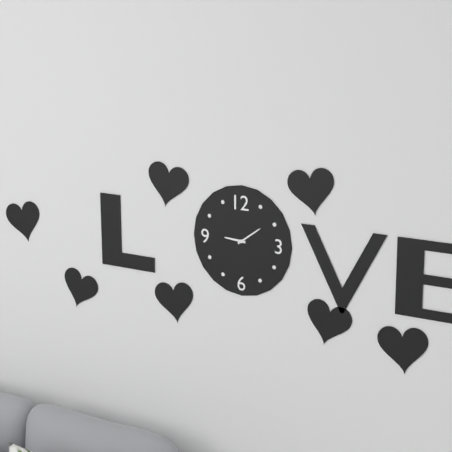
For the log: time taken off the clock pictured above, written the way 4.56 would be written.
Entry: 9.09
